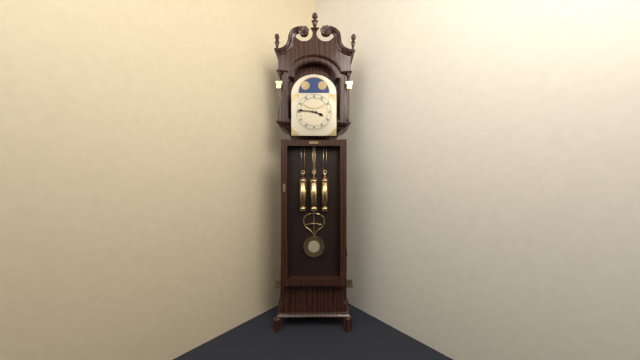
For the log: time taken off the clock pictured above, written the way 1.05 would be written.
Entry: 3.46
